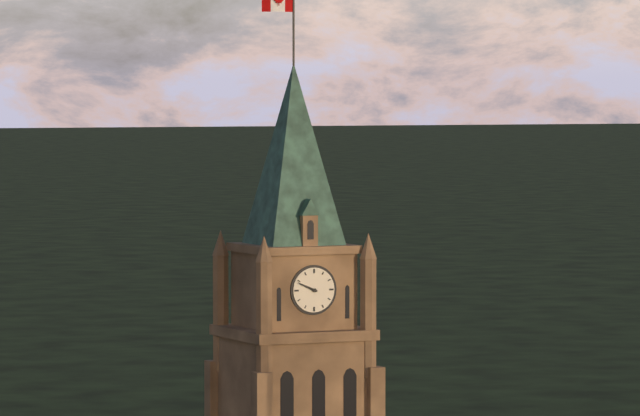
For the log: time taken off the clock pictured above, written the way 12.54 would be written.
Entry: 9.49
